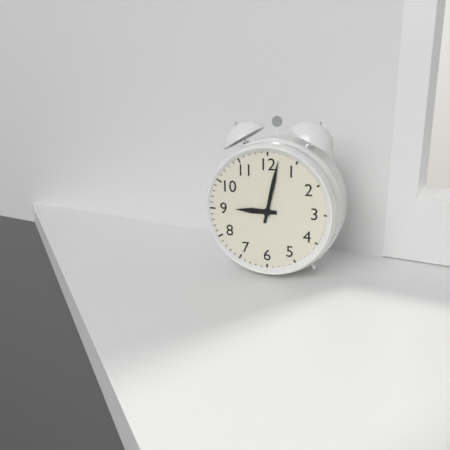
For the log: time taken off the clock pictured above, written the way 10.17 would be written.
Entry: 9.02
